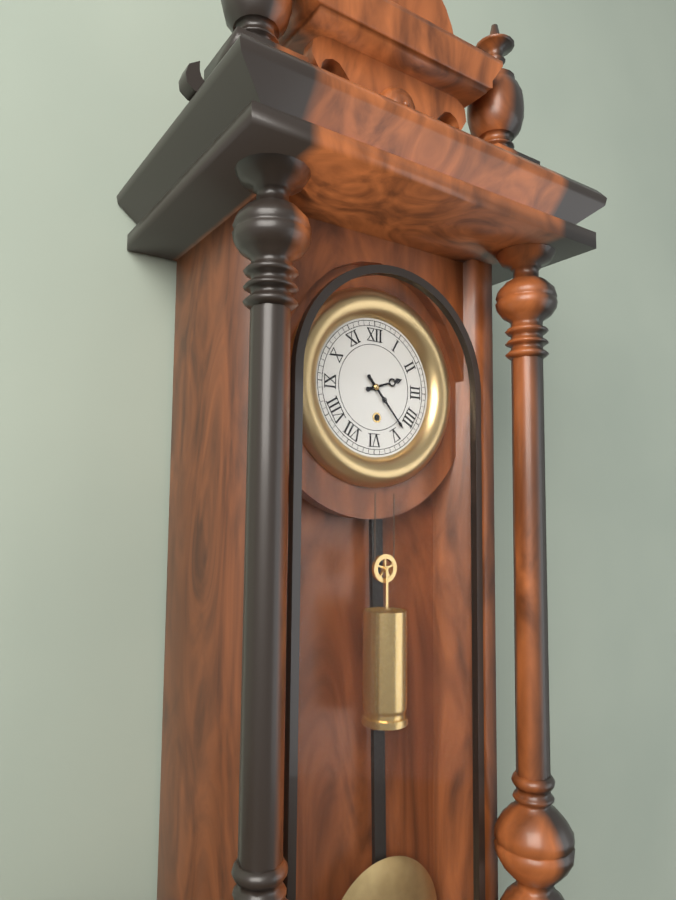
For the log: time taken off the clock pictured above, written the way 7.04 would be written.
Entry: 2.23
